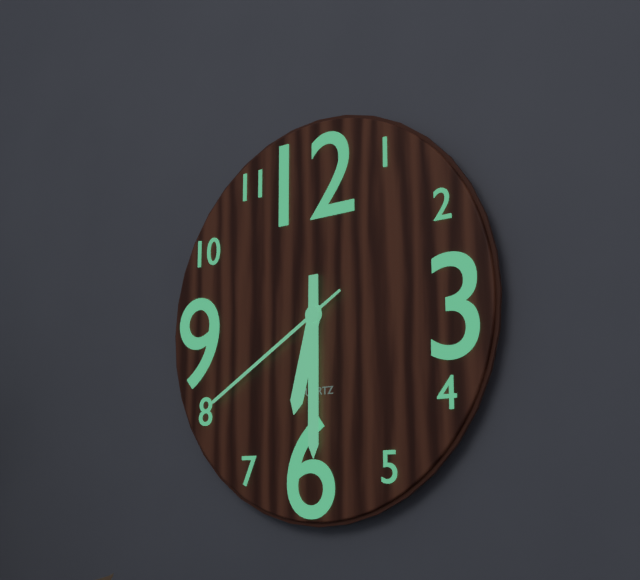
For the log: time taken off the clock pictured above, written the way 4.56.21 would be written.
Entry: 6.30.40
